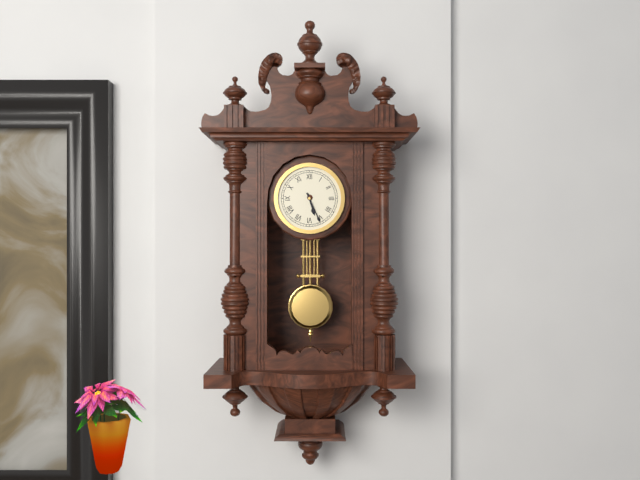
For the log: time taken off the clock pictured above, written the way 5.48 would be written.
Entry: 5.26
